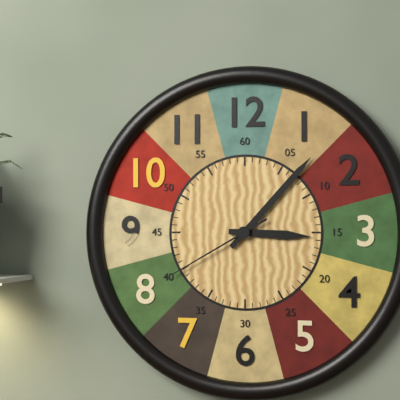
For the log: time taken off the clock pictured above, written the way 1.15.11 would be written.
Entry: 3.07.40
